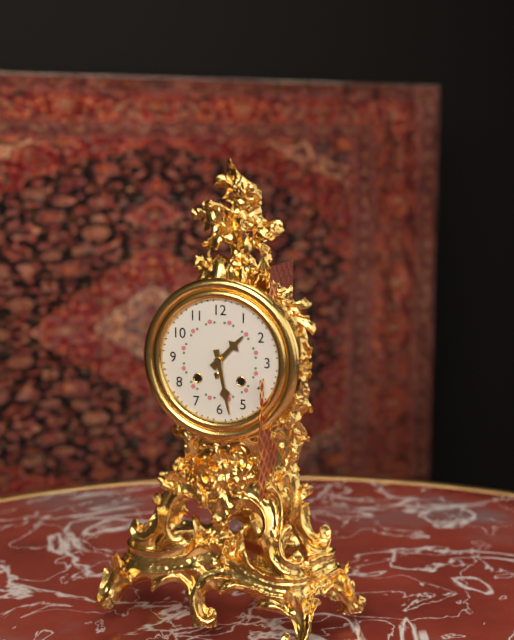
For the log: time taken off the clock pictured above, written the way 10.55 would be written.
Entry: 1.28
